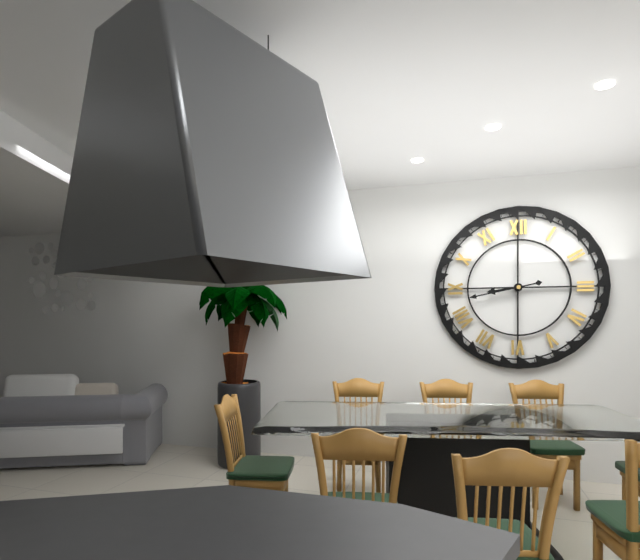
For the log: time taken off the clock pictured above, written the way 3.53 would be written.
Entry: 8.43
